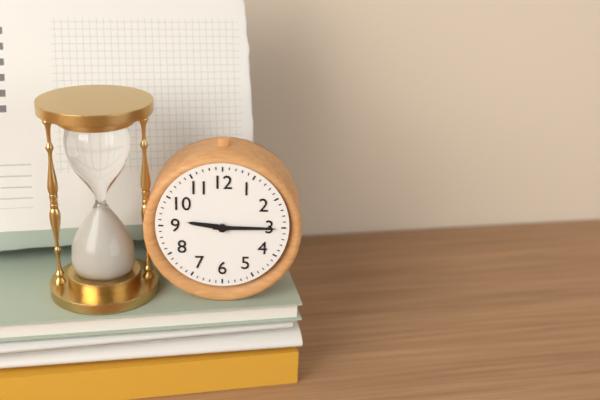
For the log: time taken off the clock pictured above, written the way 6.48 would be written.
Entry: 9.15
